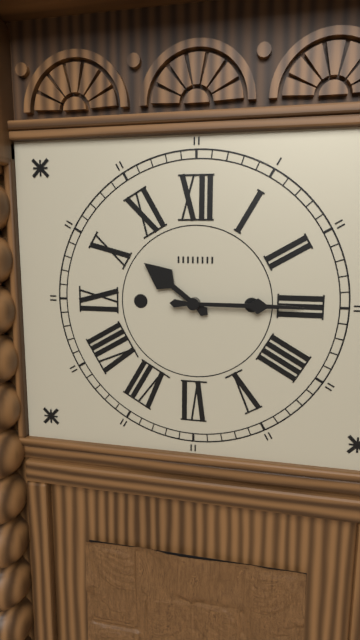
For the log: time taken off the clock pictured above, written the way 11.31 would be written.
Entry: 10.15
